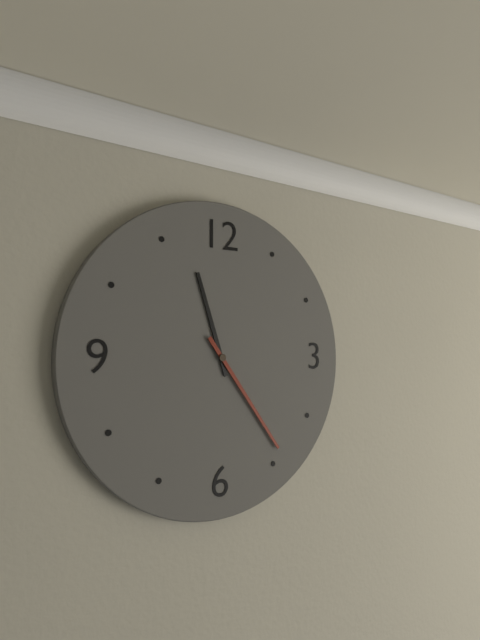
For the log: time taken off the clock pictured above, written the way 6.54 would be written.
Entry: 11.24
